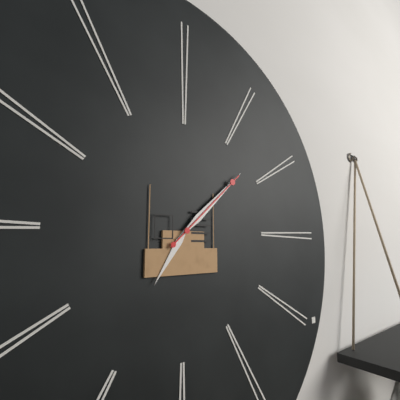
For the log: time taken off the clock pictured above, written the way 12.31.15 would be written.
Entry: 7.08.08
